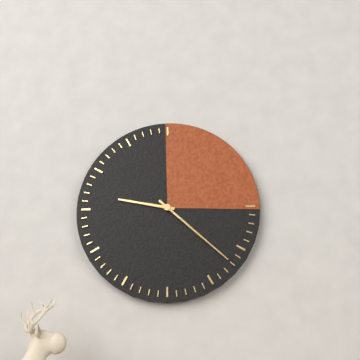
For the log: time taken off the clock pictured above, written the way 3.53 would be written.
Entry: 9.22
